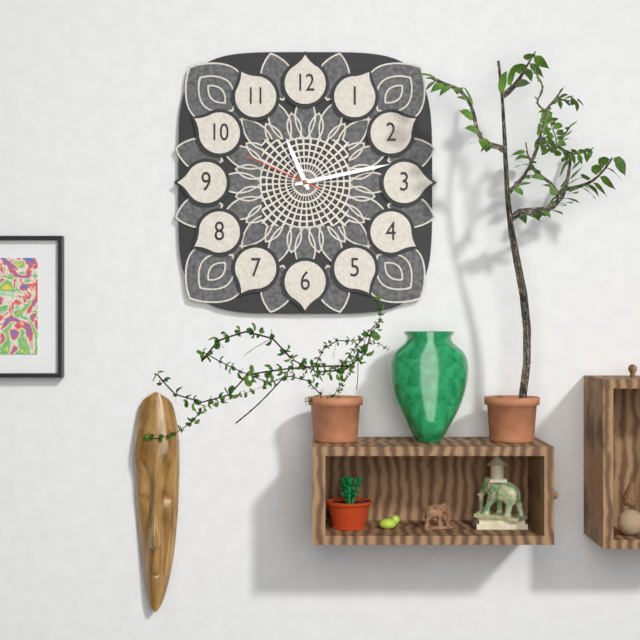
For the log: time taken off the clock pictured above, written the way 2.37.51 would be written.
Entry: 11.13.49
